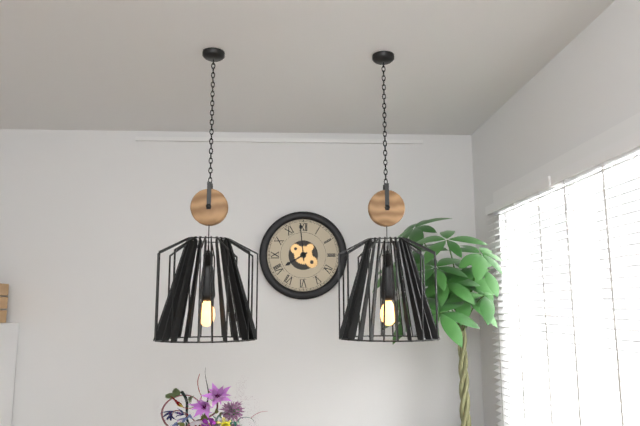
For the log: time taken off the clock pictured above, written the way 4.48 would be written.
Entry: 7.59
